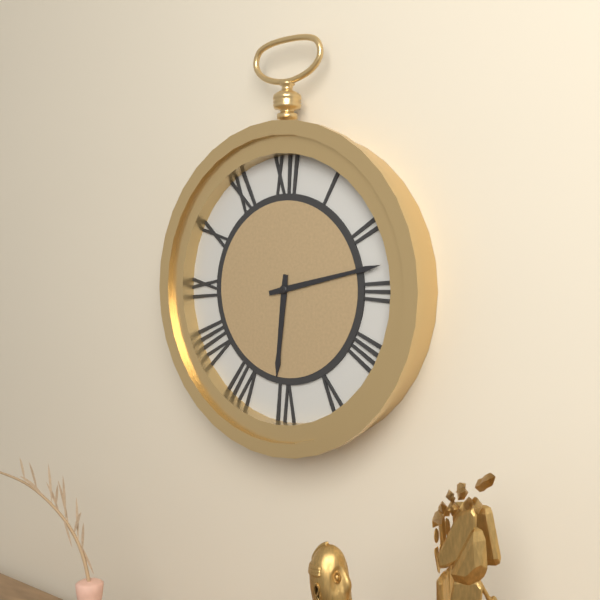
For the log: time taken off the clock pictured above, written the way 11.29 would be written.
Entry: 6.13
